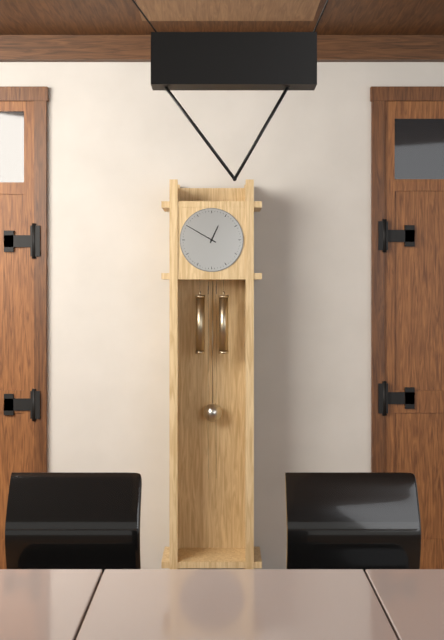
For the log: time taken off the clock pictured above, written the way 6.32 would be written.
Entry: 12.50
